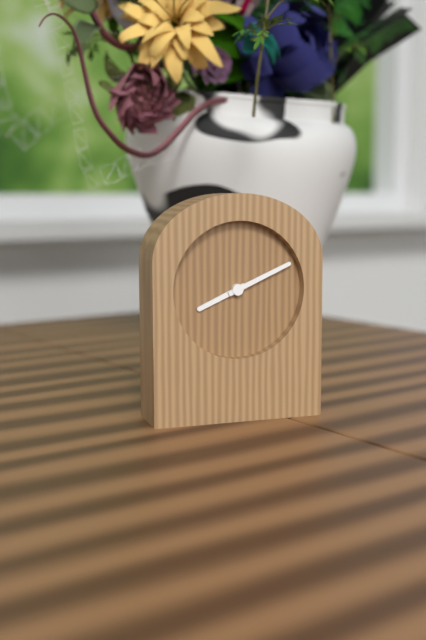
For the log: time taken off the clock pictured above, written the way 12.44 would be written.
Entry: 8.11
